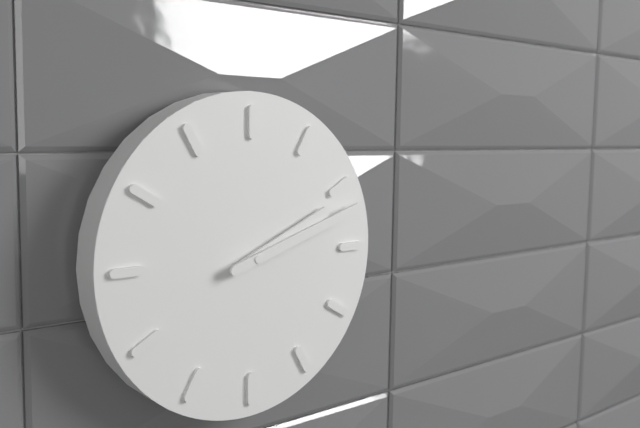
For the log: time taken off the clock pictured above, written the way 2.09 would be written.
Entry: 2.12
